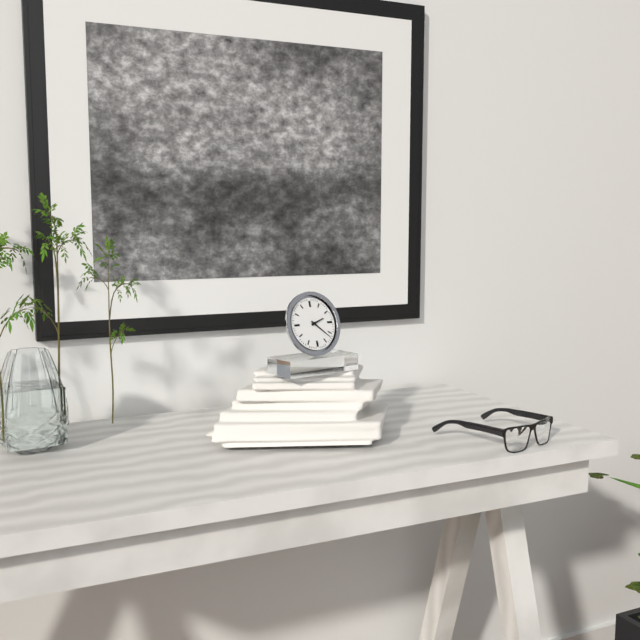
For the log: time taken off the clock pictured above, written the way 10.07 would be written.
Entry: 2.22
